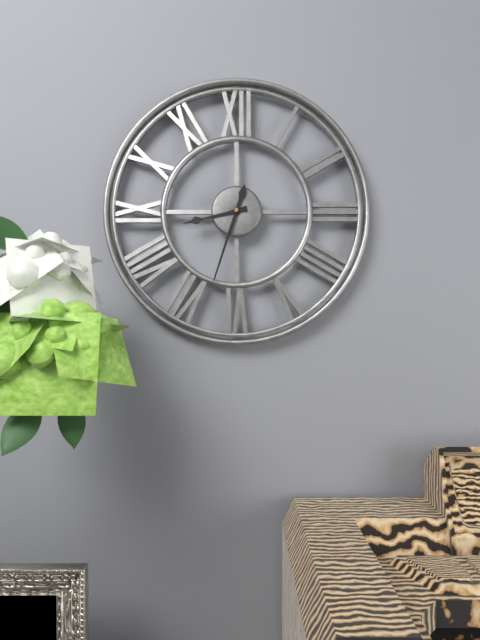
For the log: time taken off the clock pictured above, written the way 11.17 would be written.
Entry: 8.33
